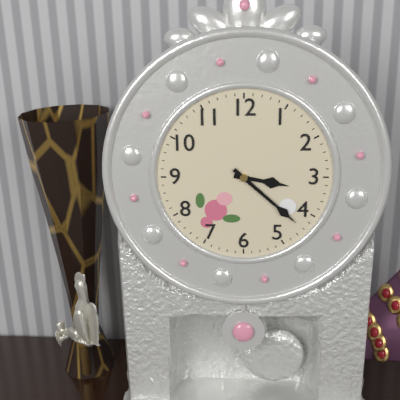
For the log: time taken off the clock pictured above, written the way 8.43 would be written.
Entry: 3.22
